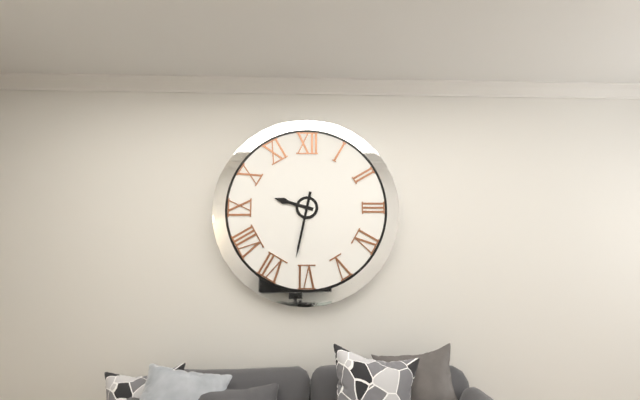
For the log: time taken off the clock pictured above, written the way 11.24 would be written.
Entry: 9.32
